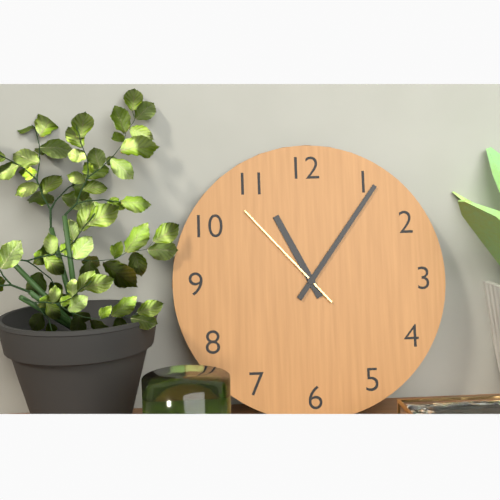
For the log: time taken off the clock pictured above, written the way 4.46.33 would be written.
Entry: 11.06.53
